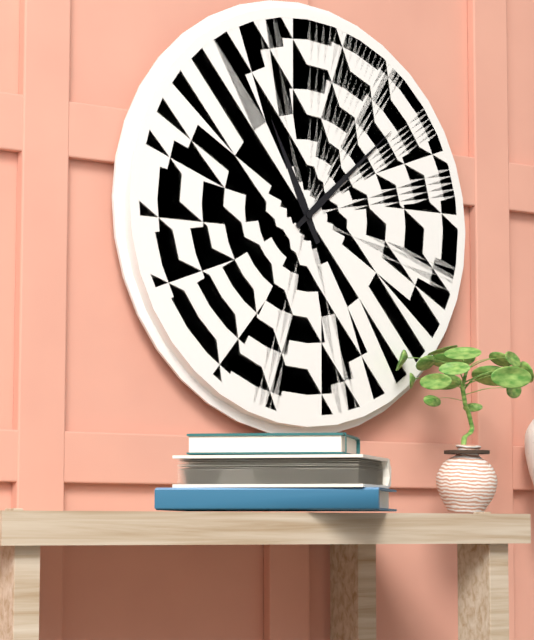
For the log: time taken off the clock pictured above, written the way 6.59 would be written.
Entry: 11.08
